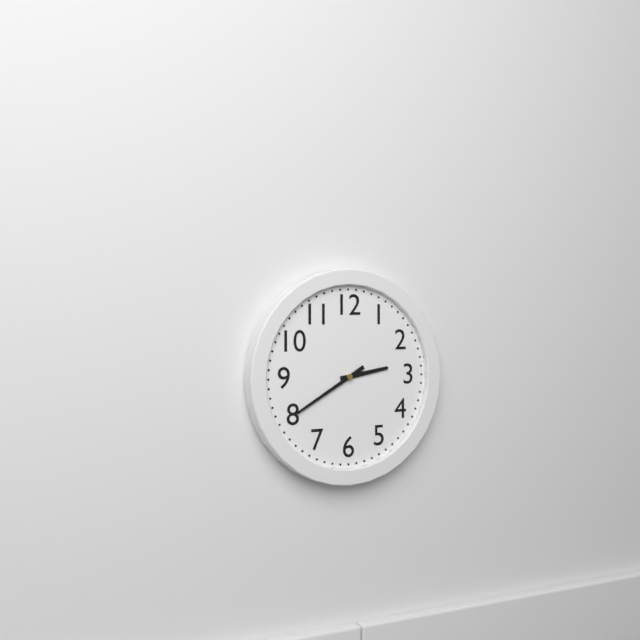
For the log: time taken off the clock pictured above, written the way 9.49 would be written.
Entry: 2.40
